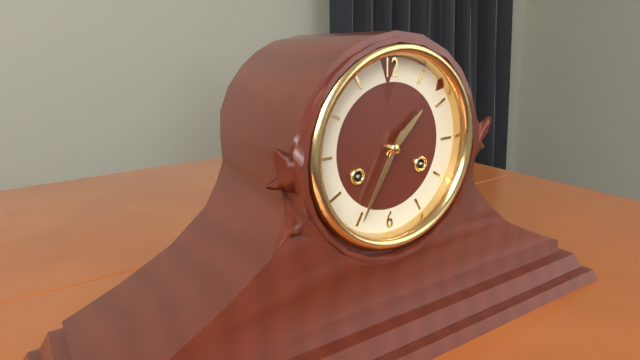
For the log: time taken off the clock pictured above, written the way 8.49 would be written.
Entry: 1.35
